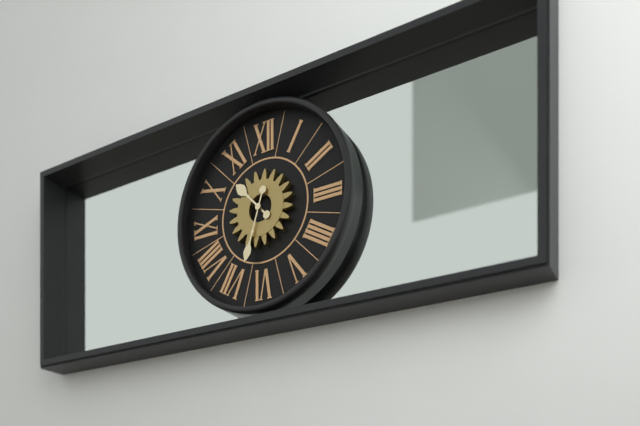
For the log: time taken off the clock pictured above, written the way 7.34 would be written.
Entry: 10.33
